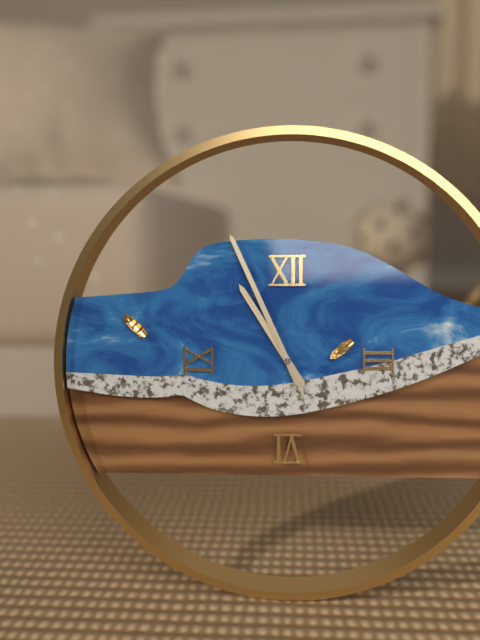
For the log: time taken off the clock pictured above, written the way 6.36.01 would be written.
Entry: 10.56.56
